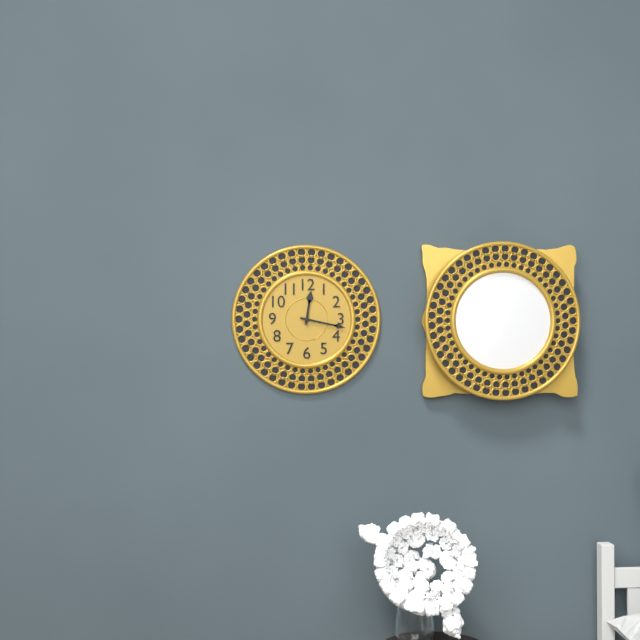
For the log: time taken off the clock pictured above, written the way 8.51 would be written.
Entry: 12.17
